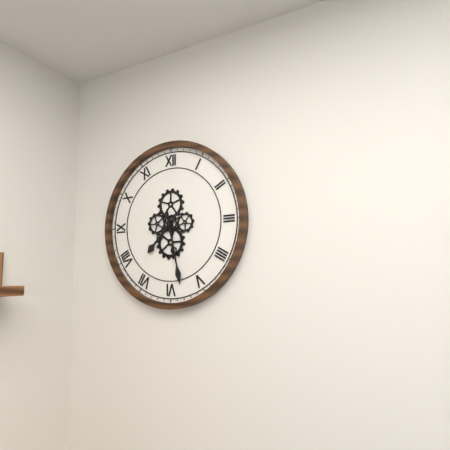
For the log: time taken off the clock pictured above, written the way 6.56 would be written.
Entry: 7.28
